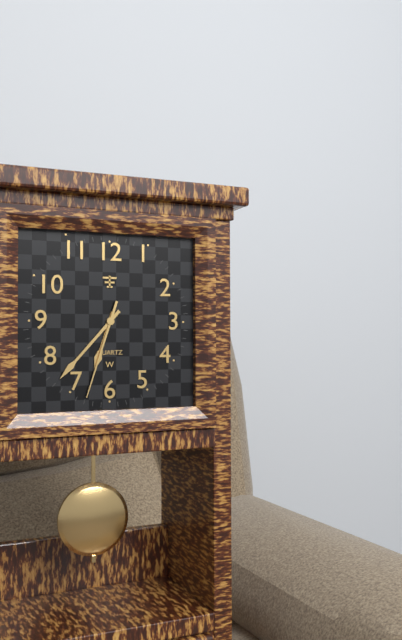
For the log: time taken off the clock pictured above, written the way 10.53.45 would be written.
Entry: 6.37.33
